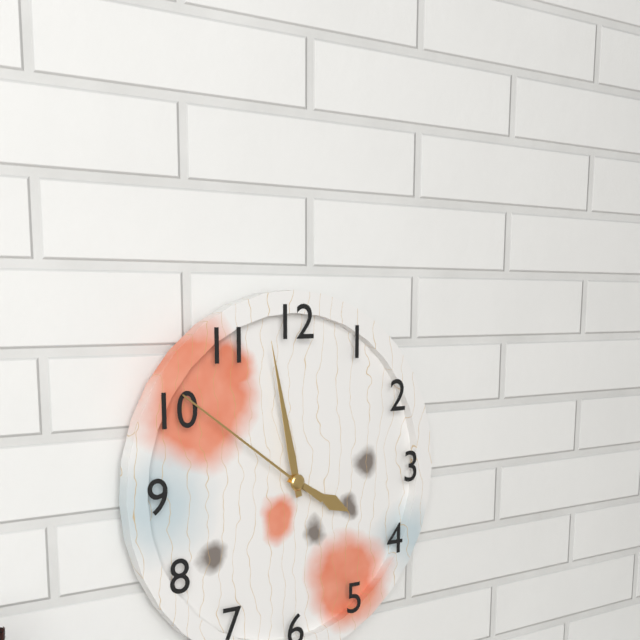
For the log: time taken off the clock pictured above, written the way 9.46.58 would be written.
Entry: 3.58.51
